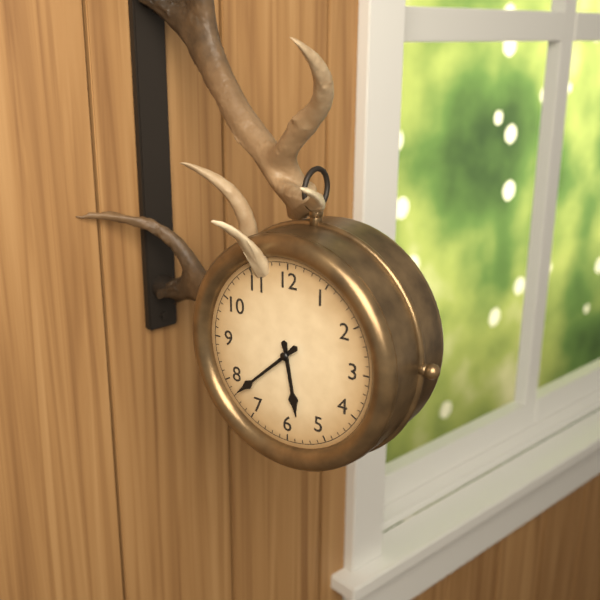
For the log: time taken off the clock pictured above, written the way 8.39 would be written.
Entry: 5.38
